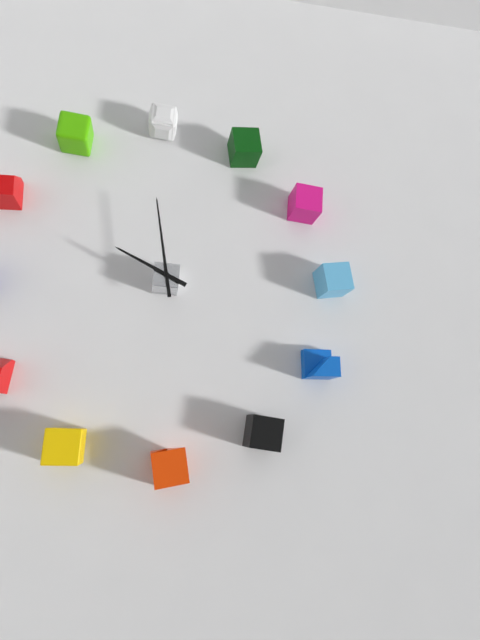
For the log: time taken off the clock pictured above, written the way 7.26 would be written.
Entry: 9.59
